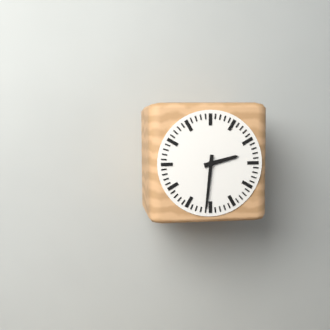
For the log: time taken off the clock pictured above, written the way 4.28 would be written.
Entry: 2.31
